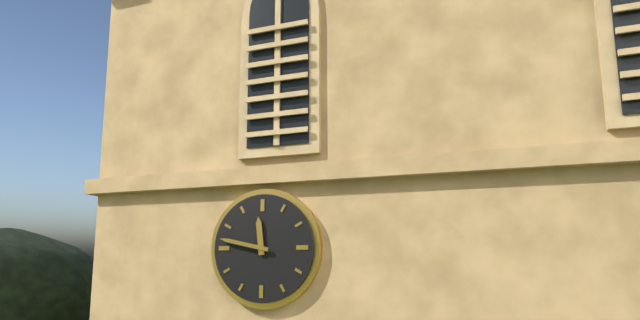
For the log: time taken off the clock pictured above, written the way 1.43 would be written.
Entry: 11.47
